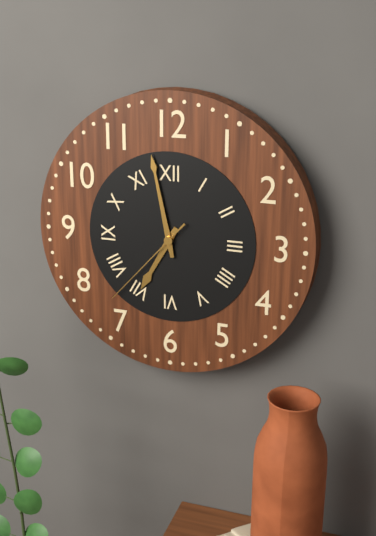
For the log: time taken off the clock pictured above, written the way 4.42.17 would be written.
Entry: 6.58.37
